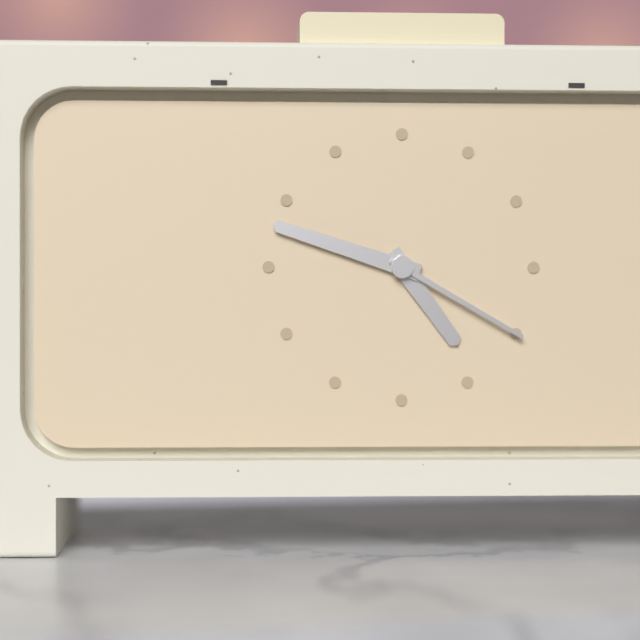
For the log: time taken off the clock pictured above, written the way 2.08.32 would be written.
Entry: 4.48.20
